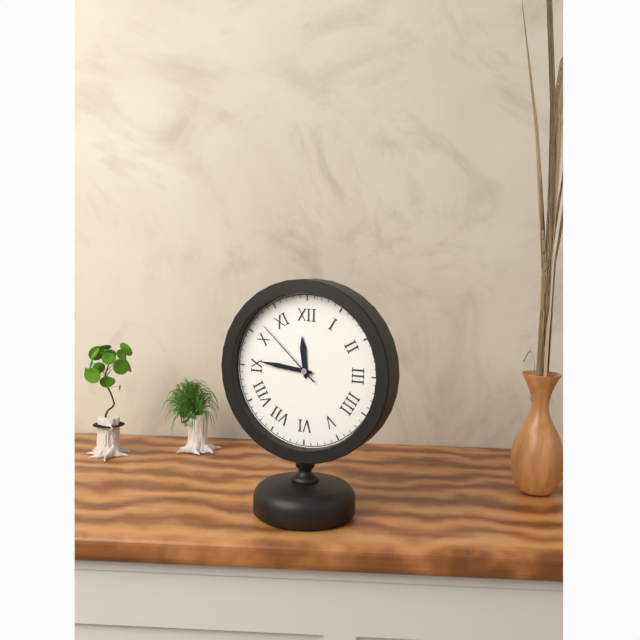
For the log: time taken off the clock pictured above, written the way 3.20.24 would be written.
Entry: 11.46.52
